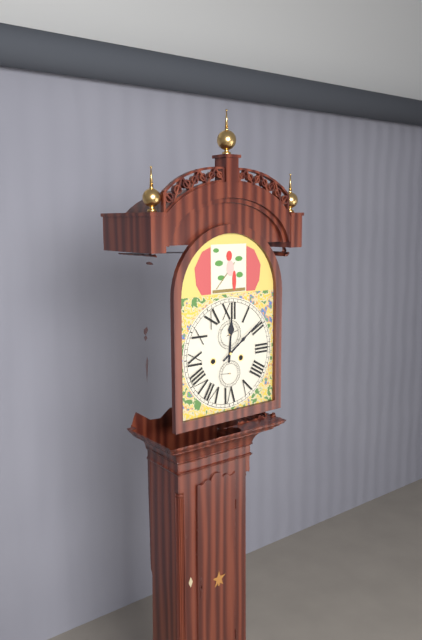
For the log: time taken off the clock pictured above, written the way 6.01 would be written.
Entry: 12.09
